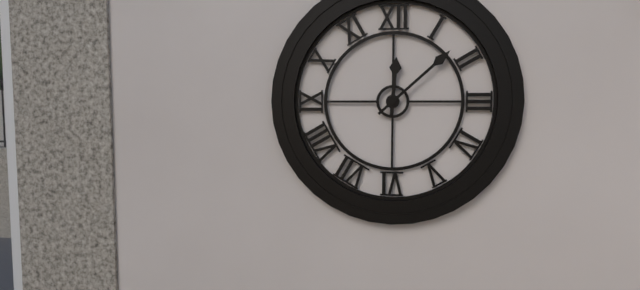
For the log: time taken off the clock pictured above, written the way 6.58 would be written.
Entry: 12.08
